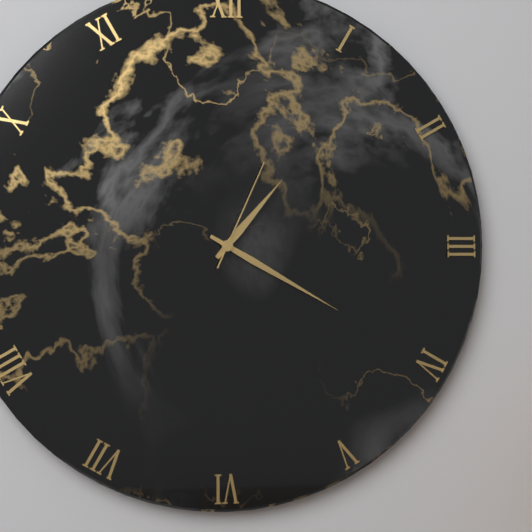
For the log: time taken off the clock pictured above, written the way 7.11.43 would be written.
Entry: 1.20.04
